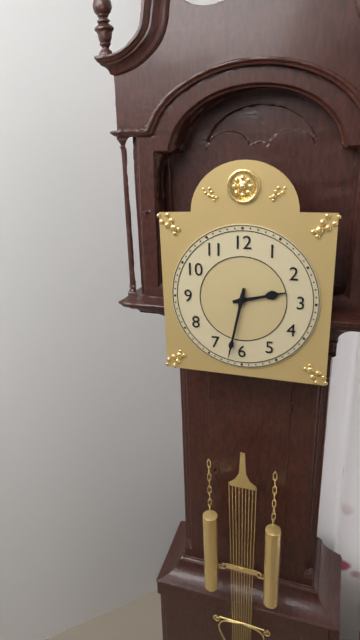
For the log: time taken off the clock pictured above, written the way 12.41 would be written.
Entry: 2.32
